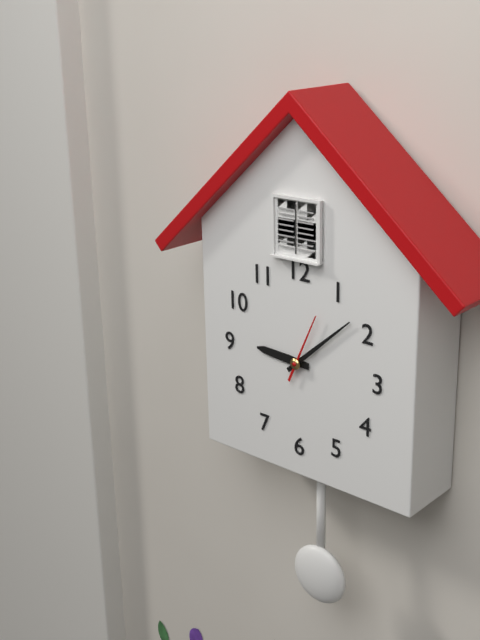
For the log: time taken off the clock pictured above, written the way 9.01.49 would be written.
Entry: 9.08.04
